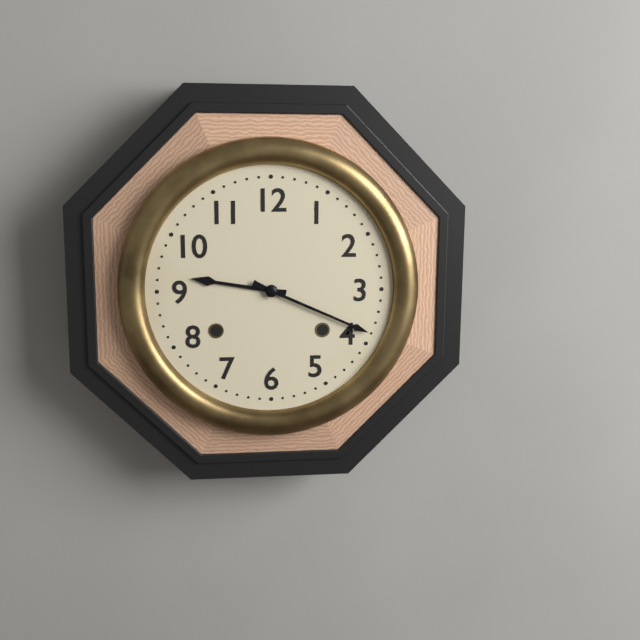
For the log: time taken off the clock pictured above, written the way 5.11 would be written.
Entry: 9.19
